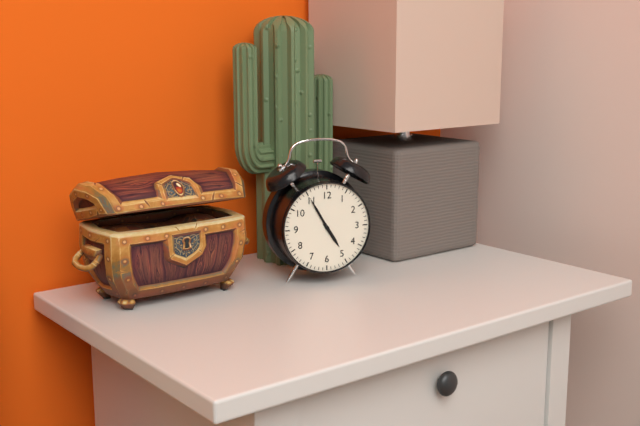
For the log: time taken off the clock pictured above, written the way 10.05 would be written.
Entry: 4.55
